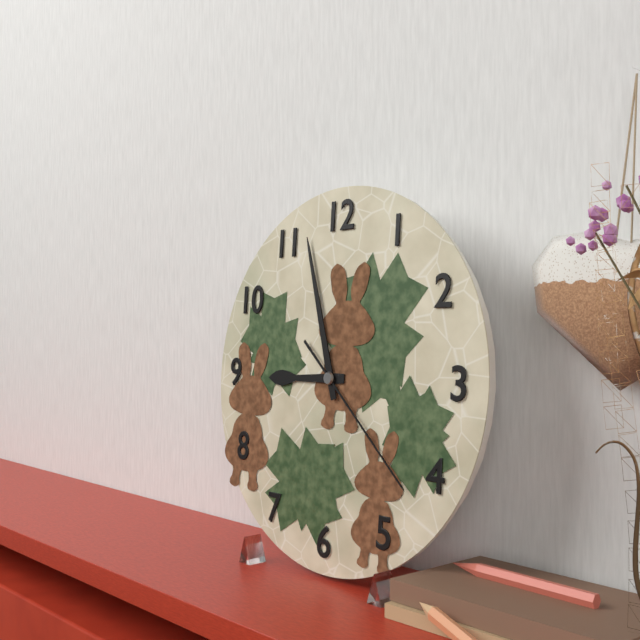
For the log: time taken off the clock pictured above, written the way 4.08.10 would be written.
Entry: 8.57.22
